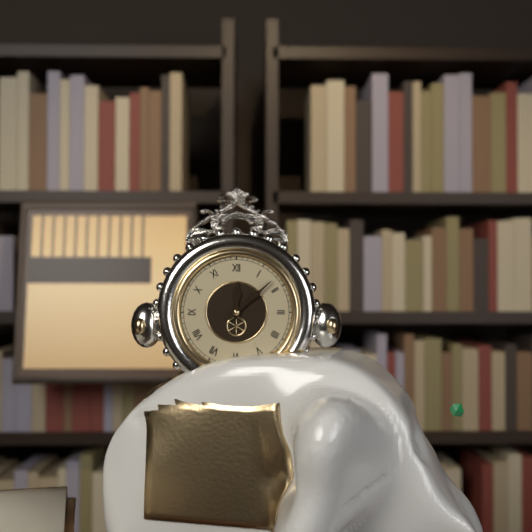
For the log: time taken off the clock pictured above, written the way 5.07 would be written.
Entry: 12.08
